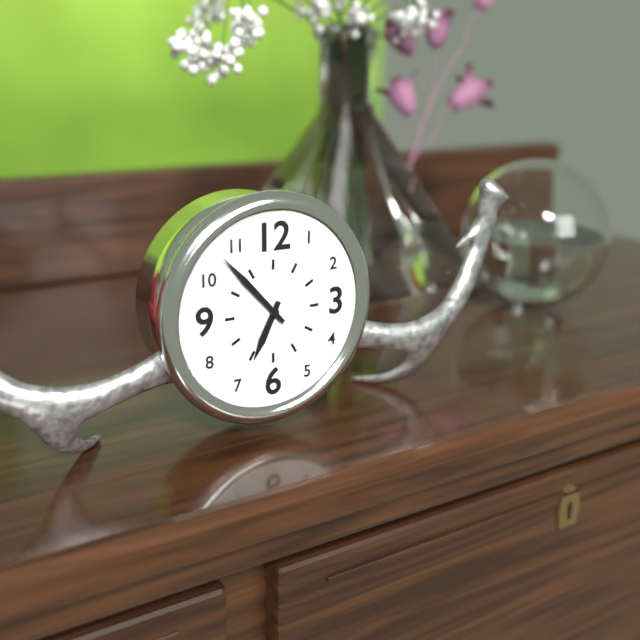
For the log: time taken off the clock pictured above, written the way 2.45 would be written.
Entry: 6.53
